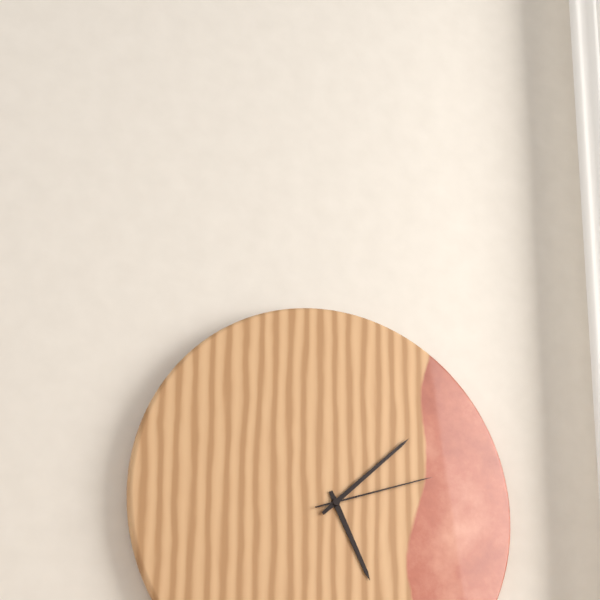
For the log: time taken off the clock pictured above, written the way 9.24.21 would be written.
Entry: 5.08.12
